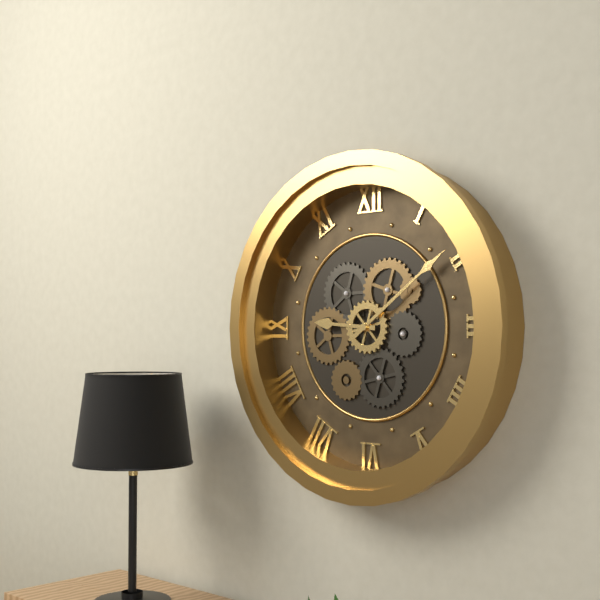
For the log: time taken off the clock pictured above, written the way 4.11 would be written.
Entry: 9.09
